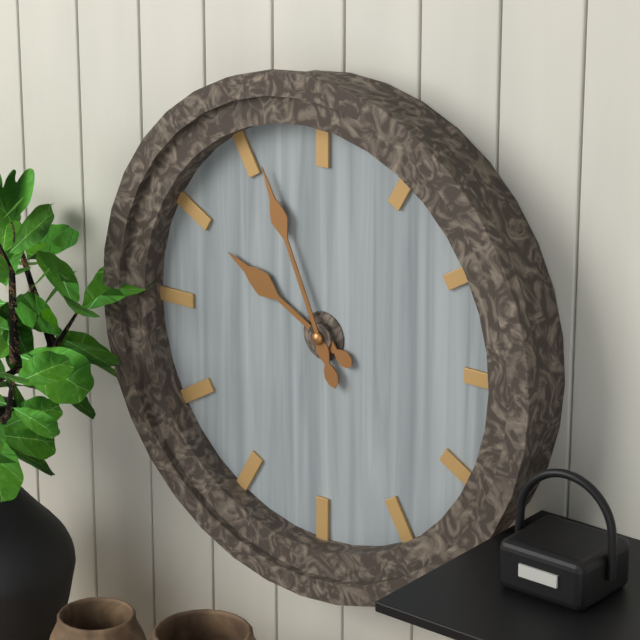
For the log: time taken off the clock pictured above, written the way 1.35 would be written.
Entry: 9.56
